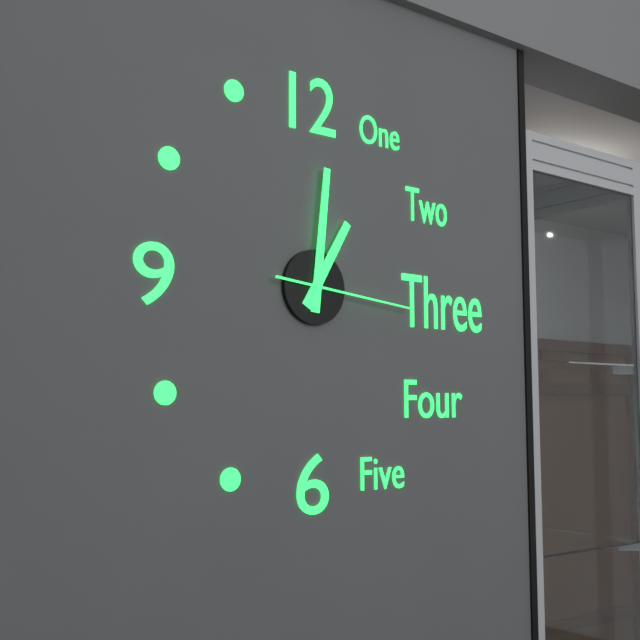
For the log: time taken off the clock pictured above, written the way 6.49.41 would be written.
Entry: 1.01.16
